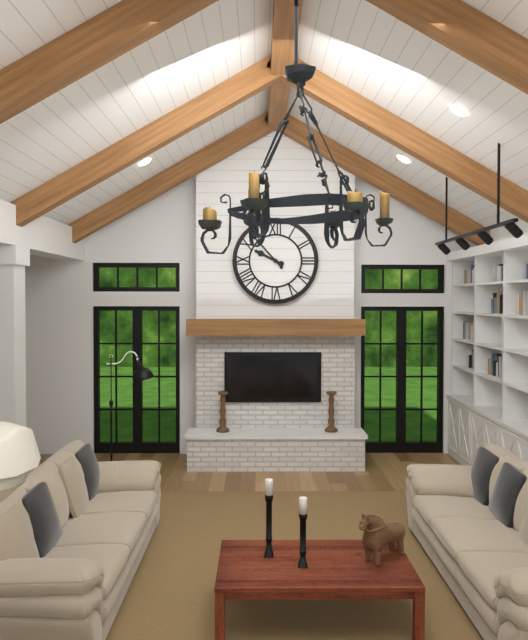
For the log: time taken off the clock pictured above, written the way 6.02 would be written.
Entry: 9.53
